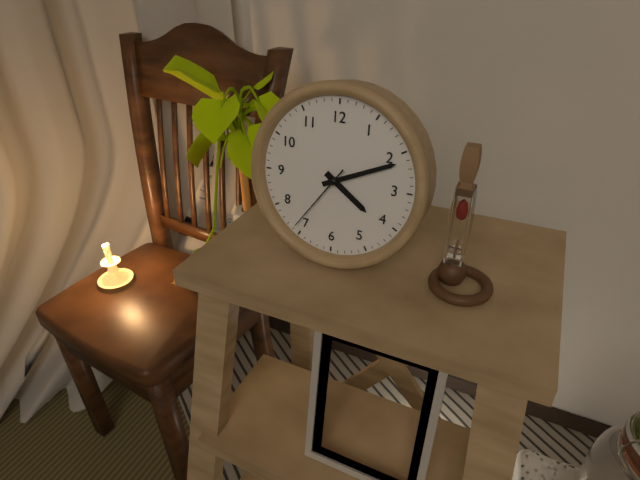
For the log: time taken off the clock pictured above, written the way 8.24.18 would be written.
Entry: 4.11.36
